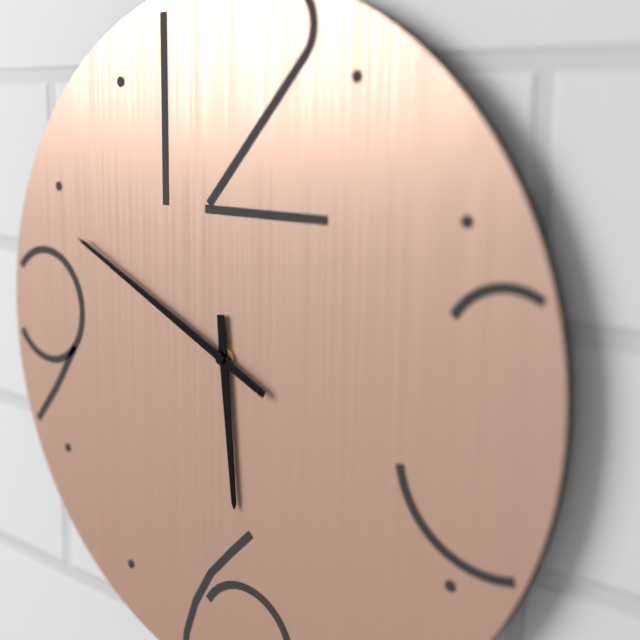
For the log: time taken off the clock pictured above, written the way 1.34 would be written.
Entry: 5.49
